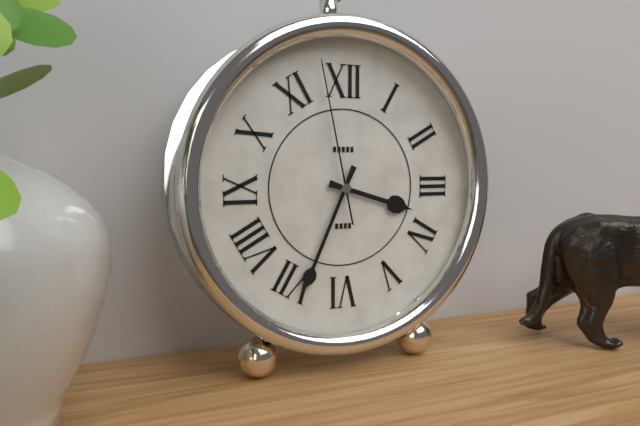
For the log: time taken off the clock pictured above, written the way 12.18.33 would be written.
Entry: 3.34.58
